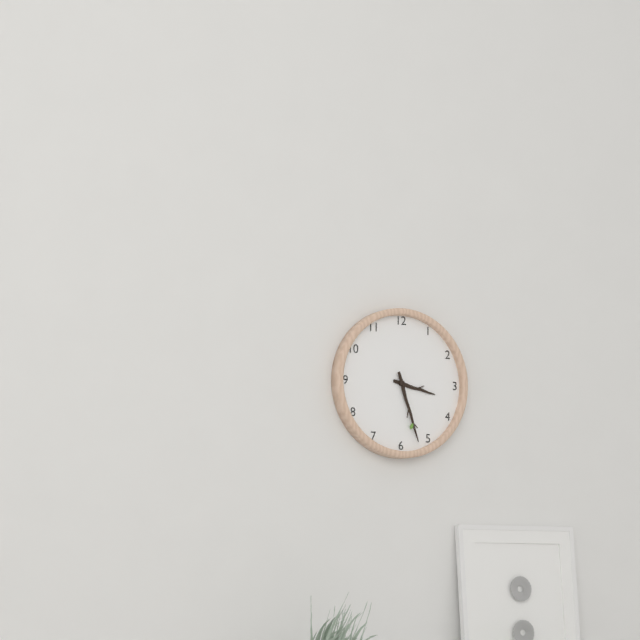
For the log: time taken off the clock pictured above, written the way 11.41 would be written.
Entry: 3.27
